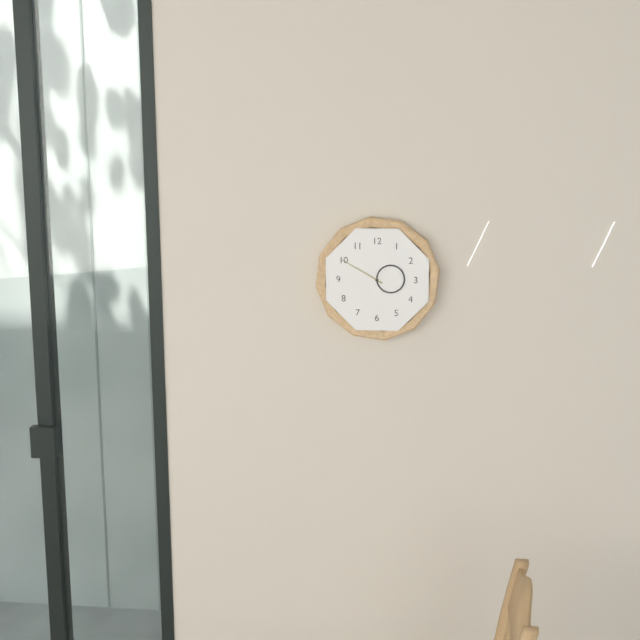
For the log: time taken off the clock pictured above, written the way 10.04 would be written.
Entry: 2.50
